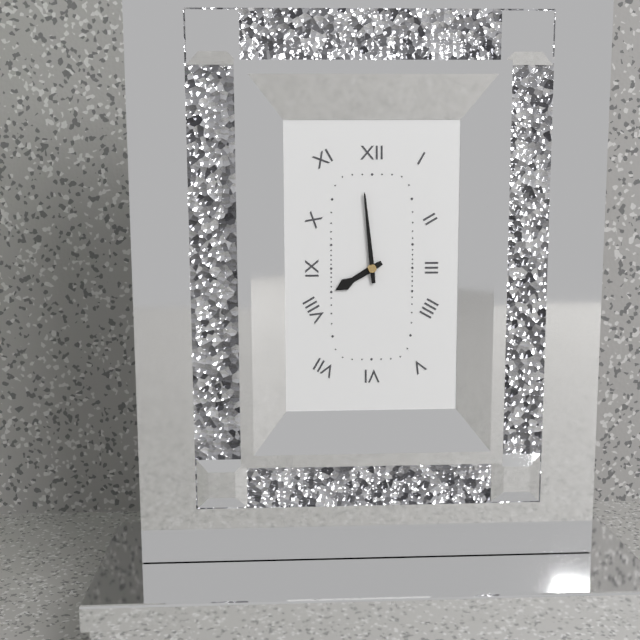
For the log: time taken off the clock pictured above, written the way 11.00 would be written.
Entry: 7.59
